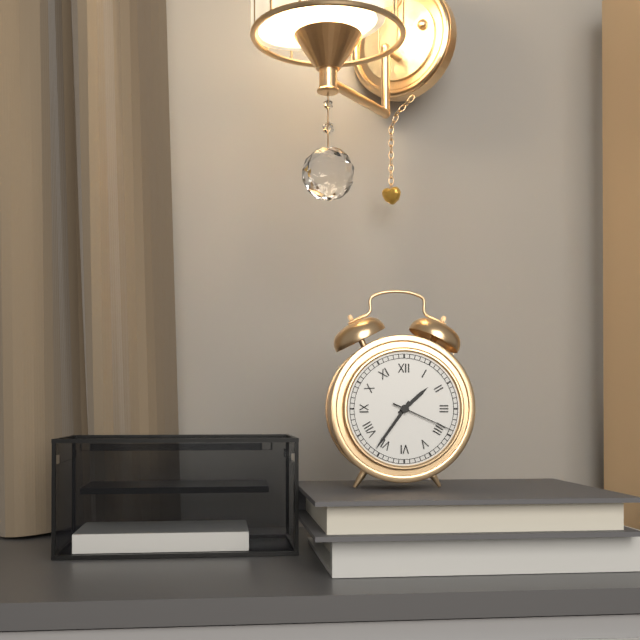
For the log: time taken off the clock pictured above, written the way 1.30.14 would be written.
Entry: 1.36.19
